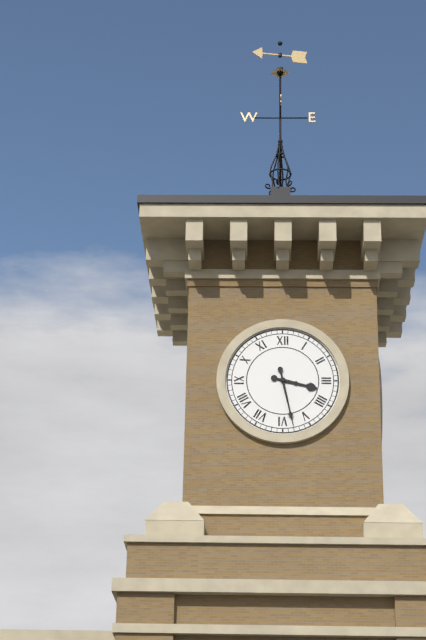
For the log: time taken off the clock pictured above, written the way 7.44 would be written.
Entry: 3.28
